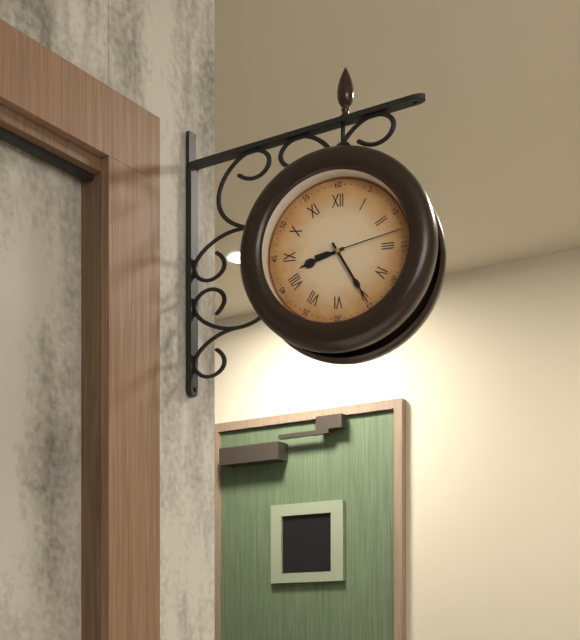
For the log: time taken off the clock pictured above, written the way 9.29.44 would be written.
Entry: 8.25.13
